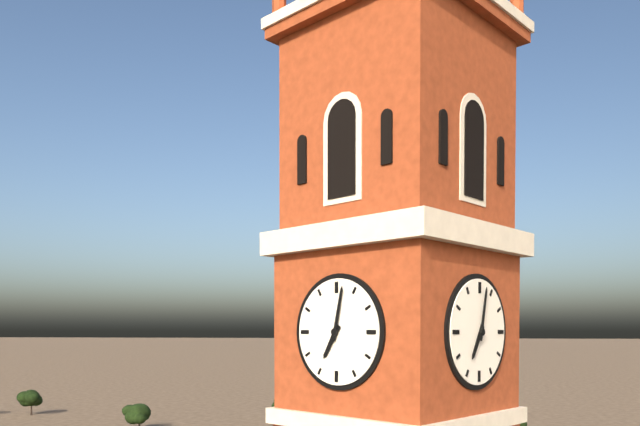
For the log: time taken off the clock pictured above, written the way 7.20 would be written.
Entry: 7.02
